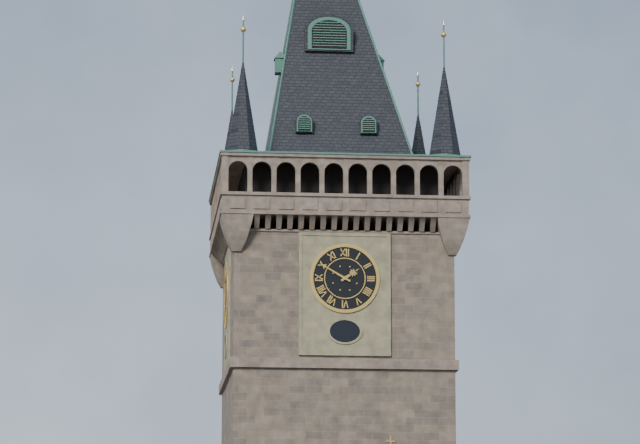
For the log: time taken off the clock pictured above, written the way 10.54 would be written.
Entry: 1.50
